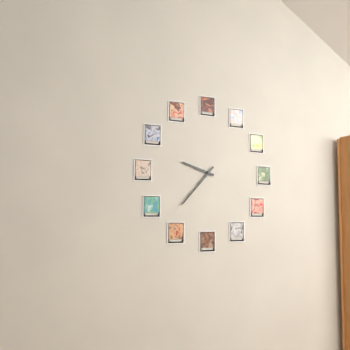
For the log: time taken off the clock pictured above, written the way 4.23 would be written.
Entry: 9.37
